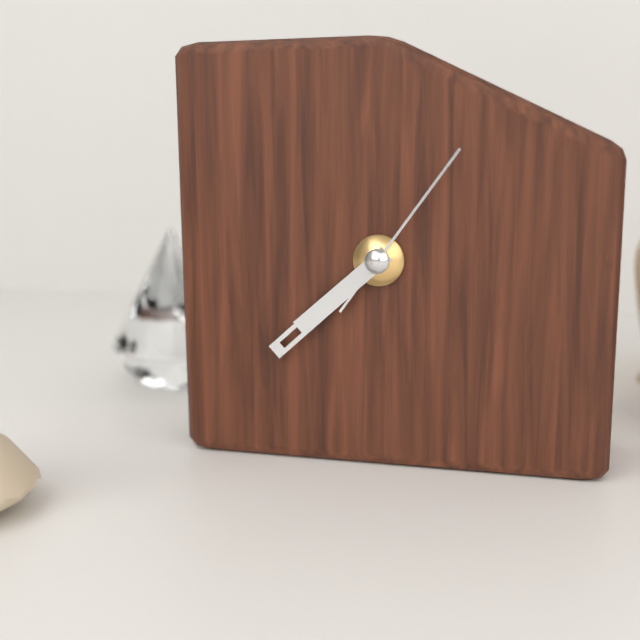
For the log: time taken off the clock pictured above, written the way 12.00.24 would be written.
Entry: 7.38.06
